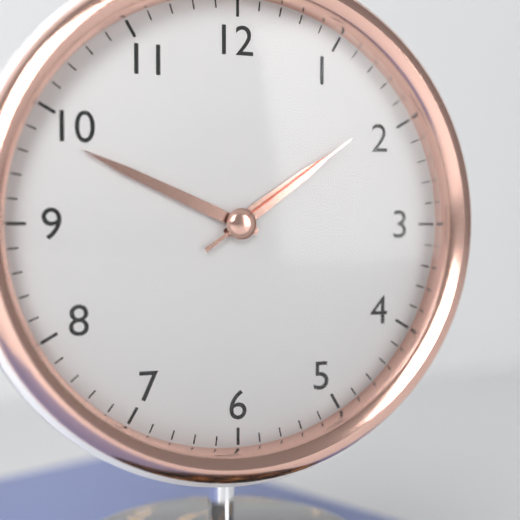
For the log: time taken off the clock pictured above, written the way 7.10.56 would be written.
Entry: 1.49.09
